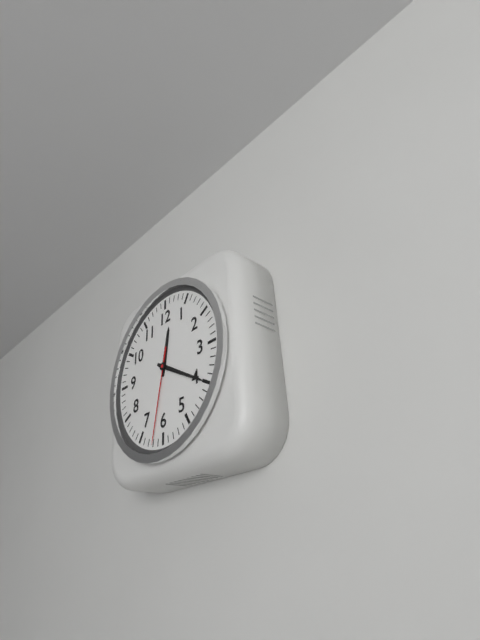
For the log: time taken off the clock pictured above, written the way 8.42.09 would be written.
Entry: 12.20.32
